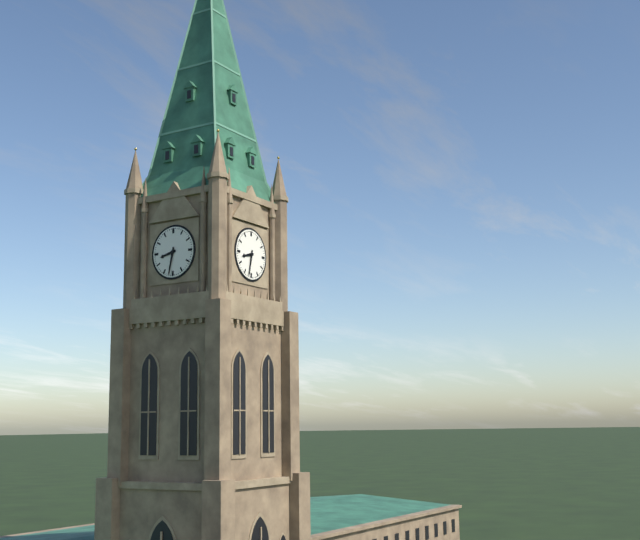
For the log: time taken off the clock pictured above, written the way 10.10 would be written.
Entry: 8.32
